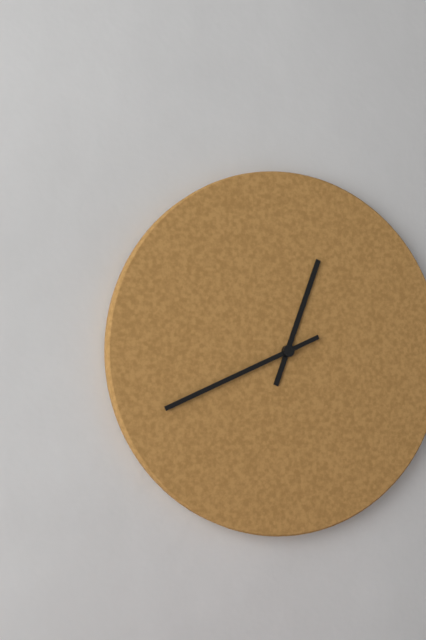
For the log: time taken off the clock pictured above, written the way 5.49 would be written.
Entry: 12.41
